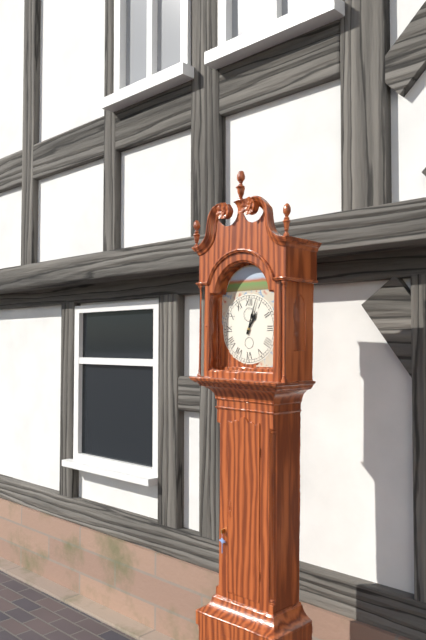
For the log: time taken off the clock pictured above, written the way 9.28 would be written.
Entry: 1.03
